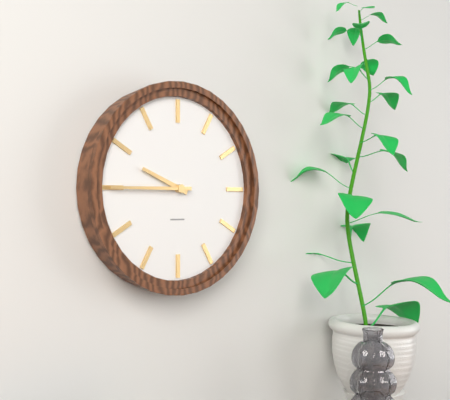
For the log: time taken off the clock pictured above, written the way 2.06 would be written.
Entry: 9.45
